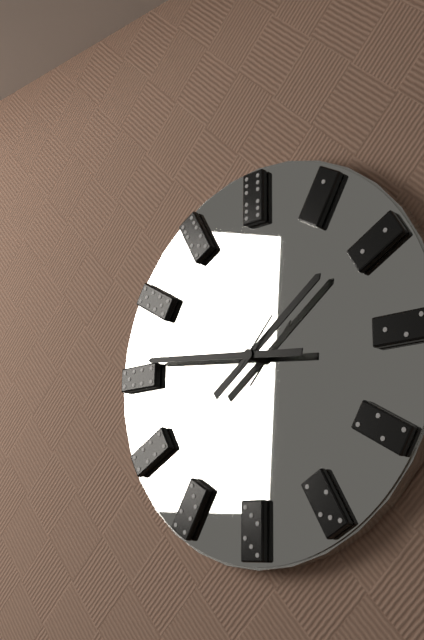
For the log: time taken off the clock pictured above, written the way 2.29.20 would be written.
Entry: 1.46.07
